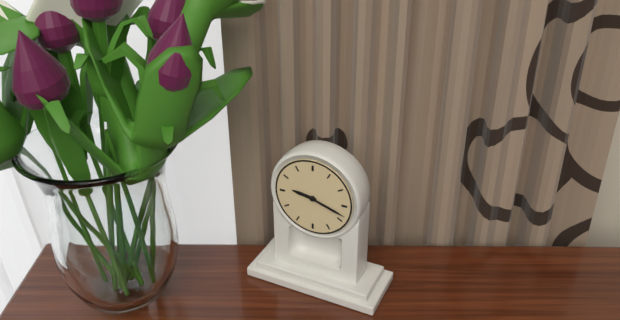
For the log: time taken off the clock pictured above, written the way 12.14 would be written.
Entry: 9.18
